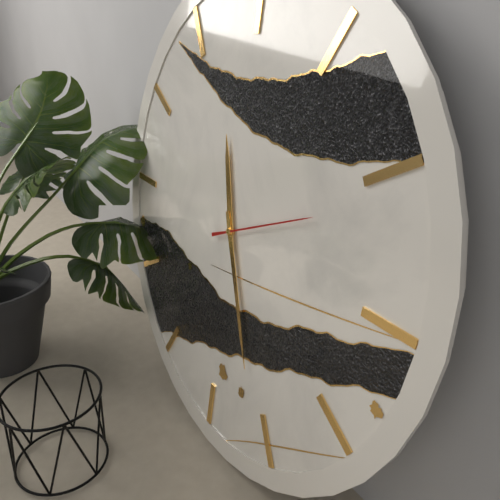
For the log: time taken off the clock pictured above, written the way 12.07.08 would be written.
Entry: 11.26.11
